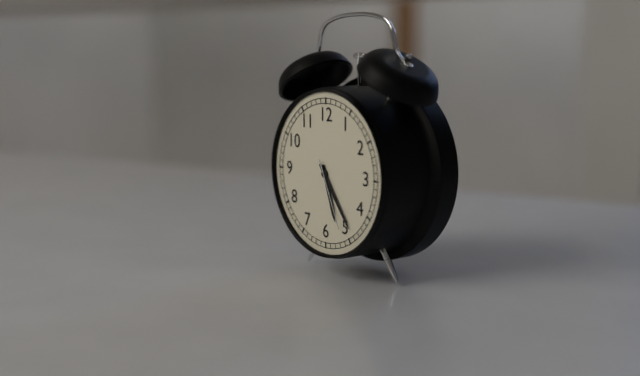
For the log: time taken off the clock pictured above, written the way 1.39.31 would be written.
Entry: 5.24.26
